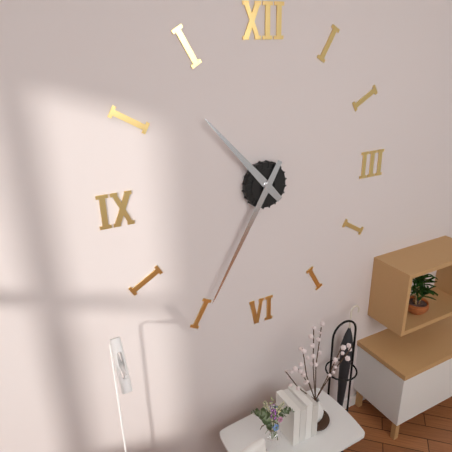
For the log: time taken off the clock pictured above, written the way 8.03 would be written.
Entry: 10.35
